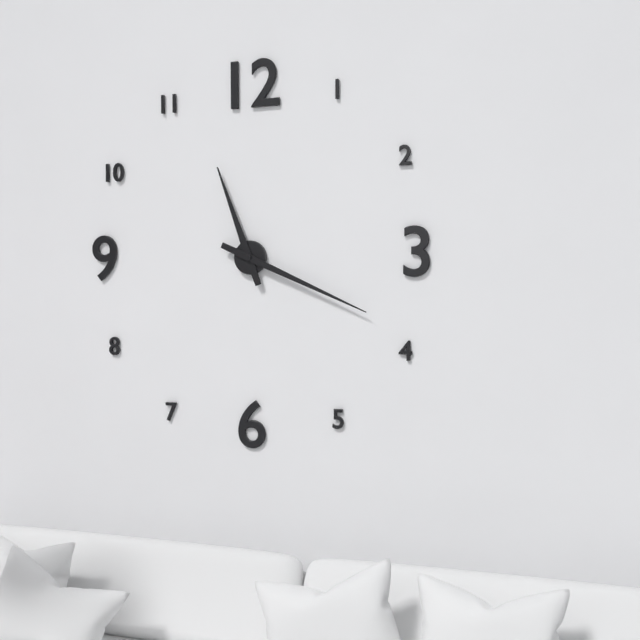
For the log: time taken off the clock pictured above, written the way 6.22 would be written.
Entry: 11.19
